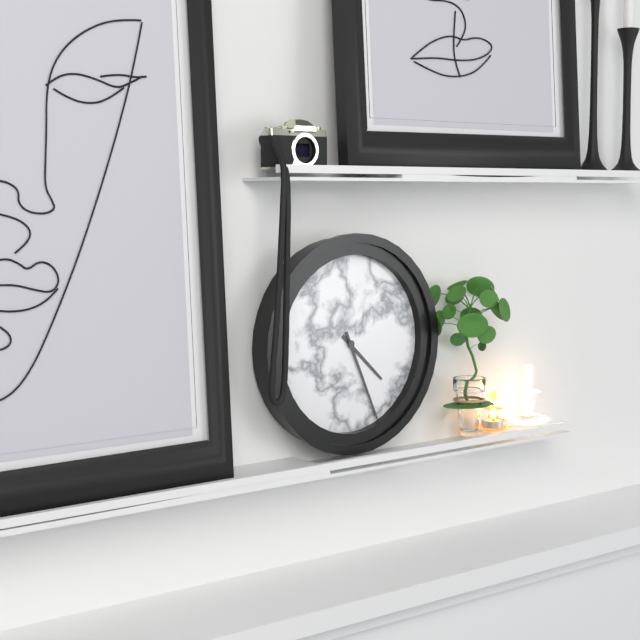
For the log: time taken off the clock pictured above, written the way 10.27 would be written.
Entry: 4.26
